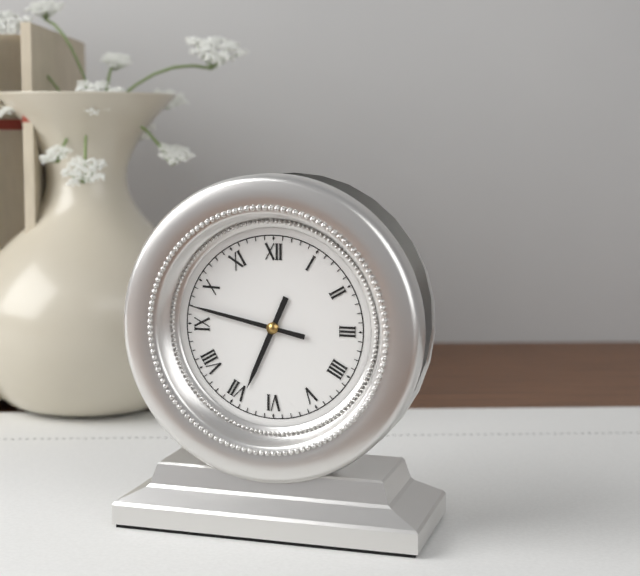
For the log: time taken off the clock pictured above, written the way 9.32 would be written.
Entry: 6.47
